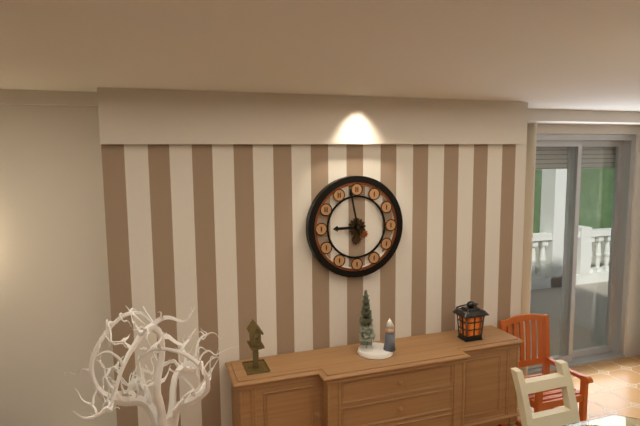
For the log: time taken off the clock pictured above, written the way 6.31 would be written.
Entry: 8.58
